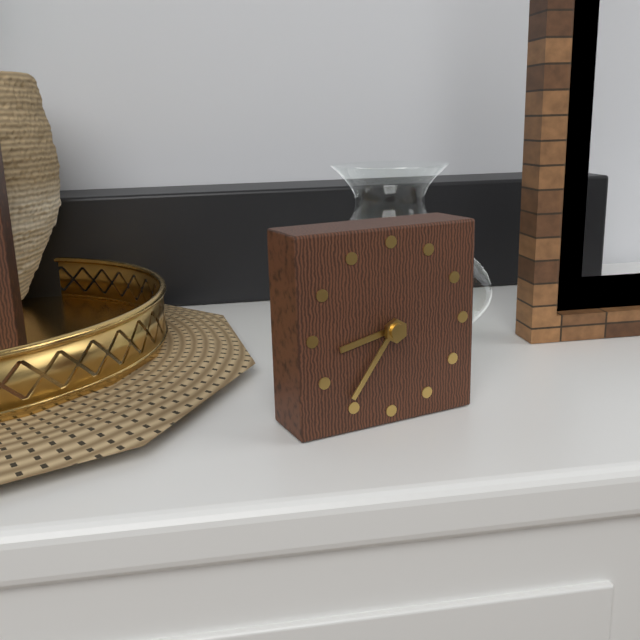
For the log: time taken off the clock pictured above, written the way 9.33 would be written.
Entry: 8.36
